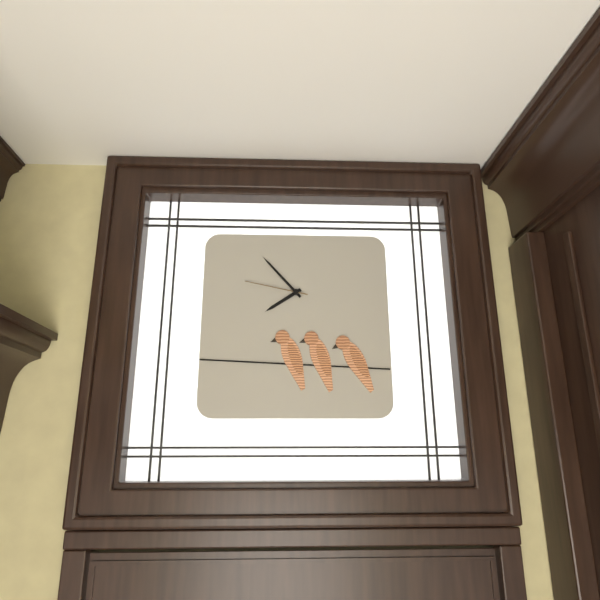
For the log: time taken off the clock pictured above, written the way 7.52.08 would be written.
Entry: 7.53.47
